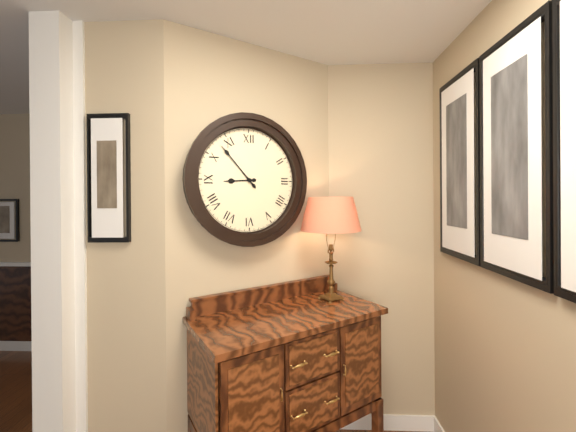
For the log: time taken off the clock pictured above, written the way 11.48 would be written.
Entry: 8.53
